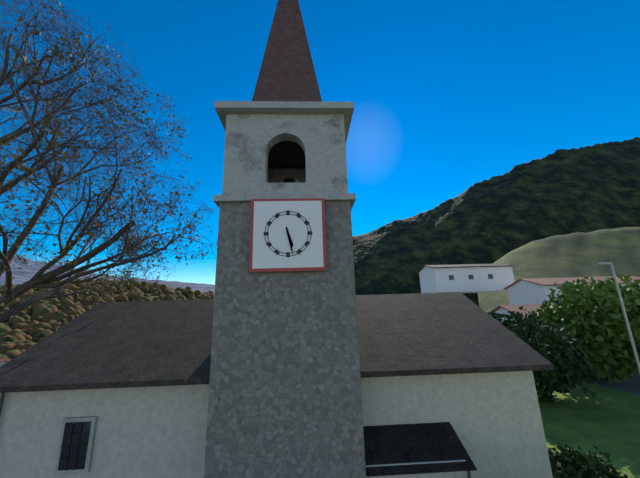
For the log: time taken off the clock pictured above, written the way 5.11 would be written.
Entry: 5.28
